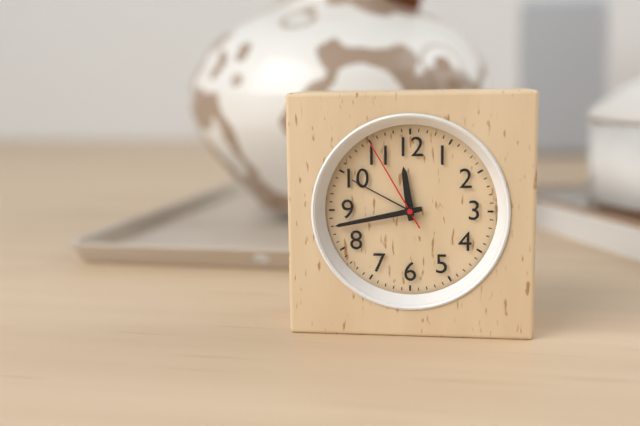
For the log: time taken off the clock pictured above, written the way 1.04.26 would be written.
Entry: 11.43.55
